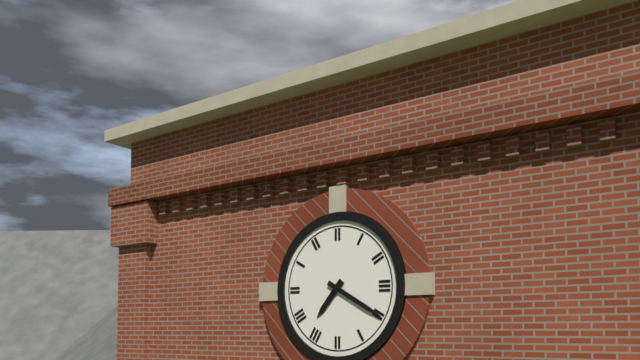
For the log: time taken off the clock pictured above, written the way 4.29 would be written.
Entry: 7.20
